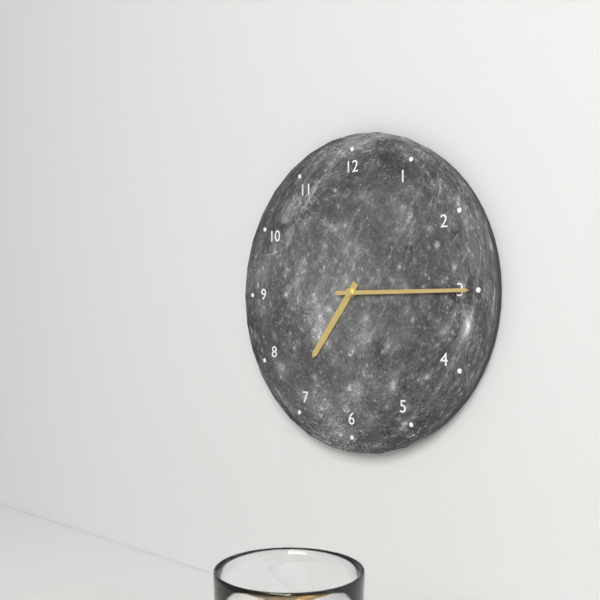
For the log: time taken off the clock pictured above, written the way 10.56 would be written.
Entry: 7.15
